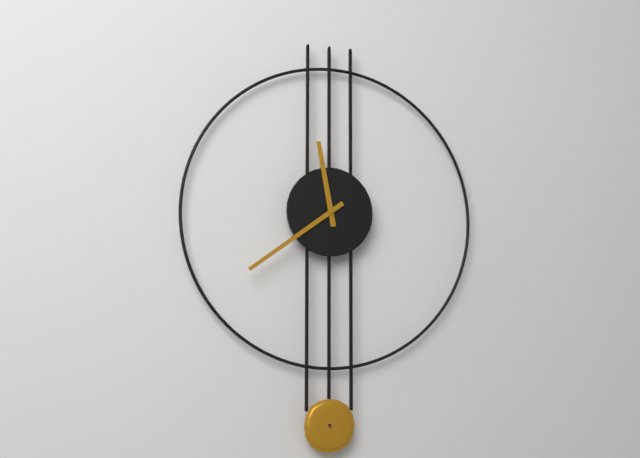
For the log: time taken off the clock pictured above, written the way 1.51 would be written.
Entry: 11.39
